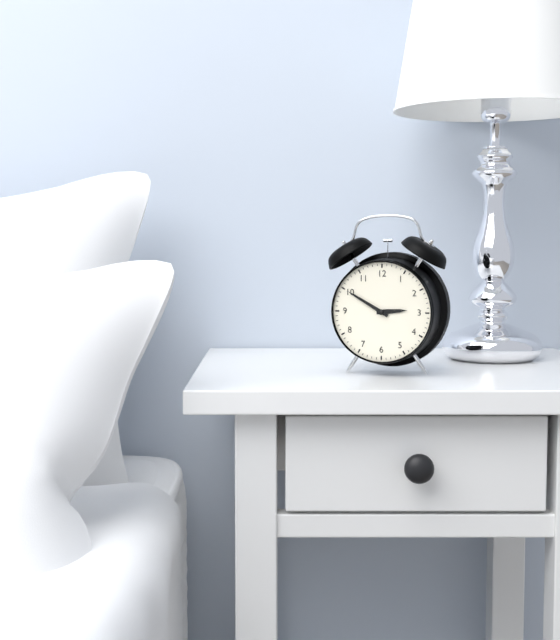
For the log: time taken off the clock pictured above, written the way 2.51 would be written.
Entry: 2.50
